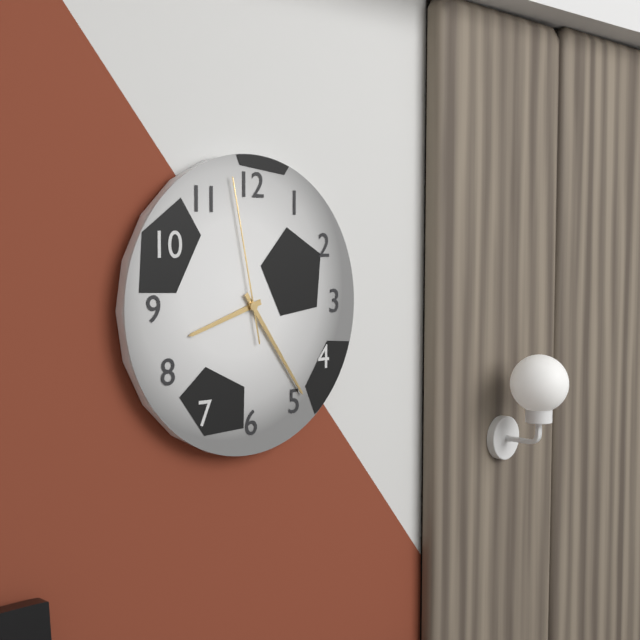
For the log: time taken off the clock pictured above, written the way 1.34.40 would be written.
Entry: 8.24.58
